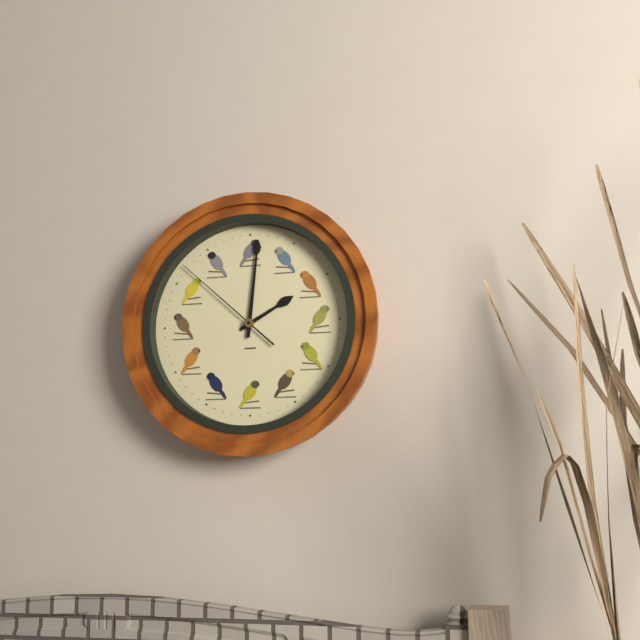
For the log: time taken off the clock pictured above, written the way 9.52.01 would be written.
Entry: 2.01.52
